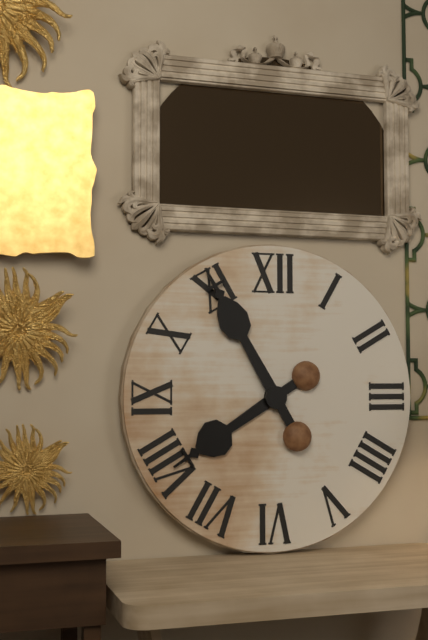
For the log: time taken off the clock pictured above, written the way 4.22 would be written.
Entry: 7.55
